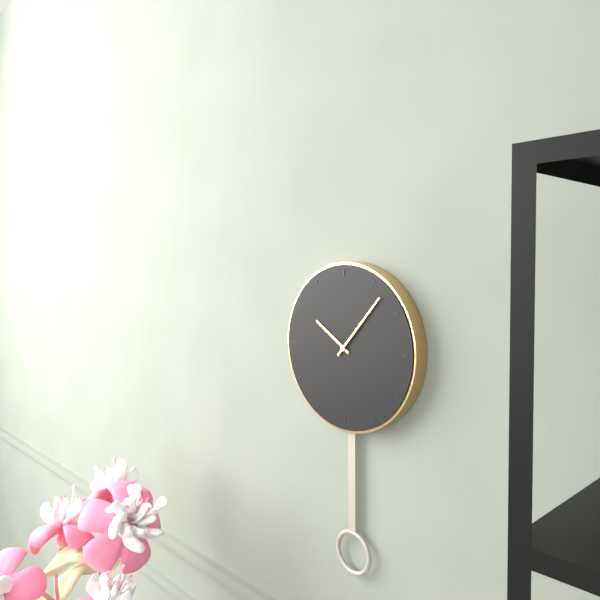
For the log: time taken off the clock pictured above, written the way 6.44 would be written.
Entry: 10.07
